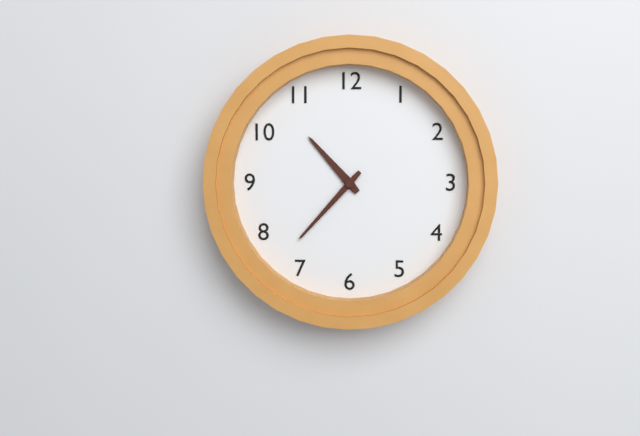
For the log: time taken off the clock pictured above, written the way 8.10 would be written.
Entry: 10.37
